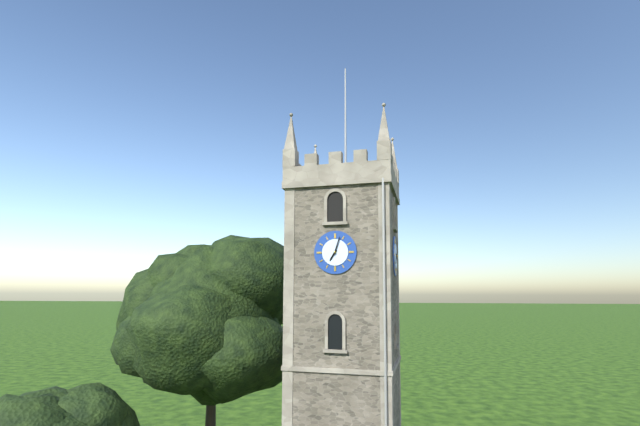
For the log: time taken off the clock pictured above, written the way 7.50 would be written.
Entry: 7.03
